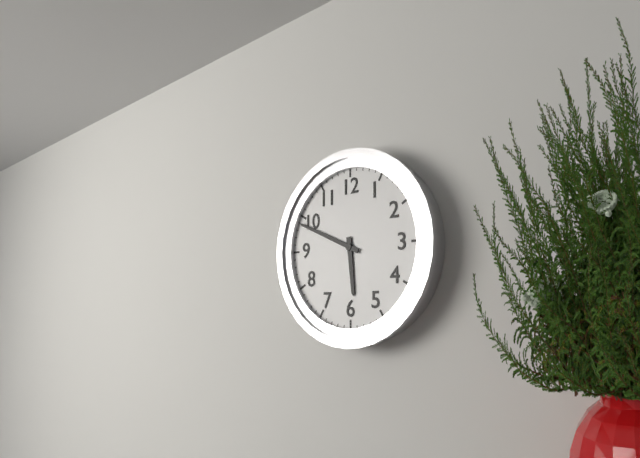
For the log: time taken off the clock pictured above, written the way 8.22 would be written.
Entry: 5.49
